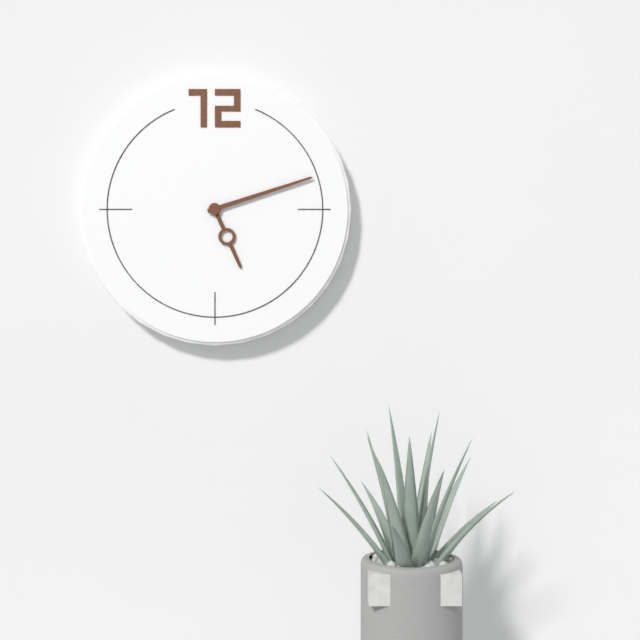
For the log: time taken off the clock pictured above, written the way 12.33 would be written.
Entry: 5.12
